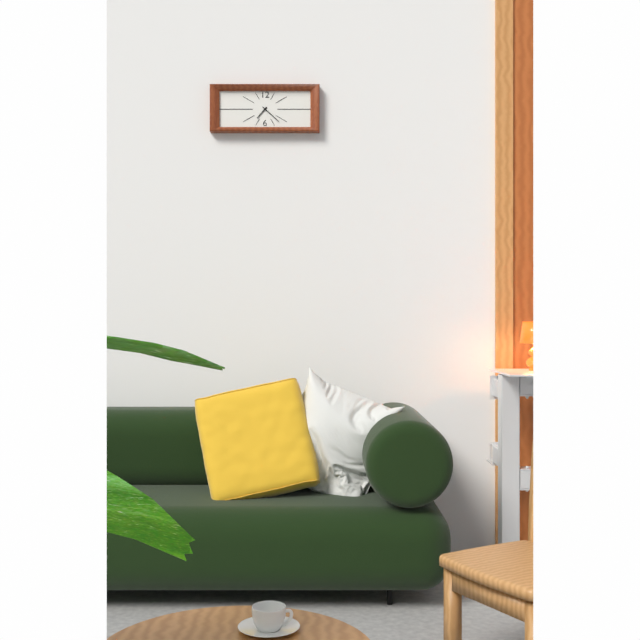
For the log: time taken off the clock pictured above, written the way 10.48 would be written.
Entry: 7.22
